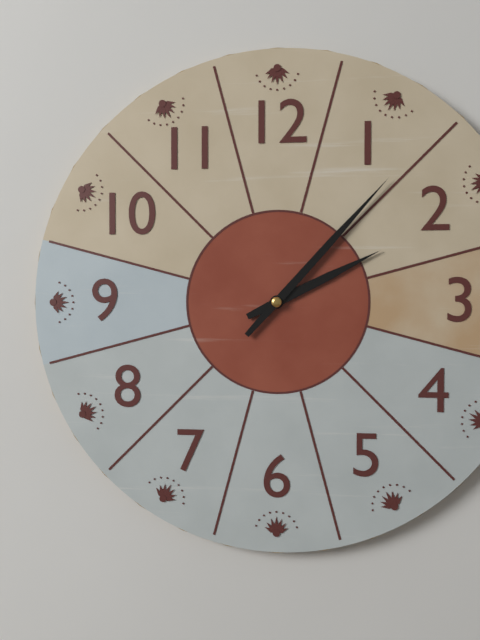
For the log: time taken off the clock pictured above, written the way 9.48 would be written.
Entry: 2.07
